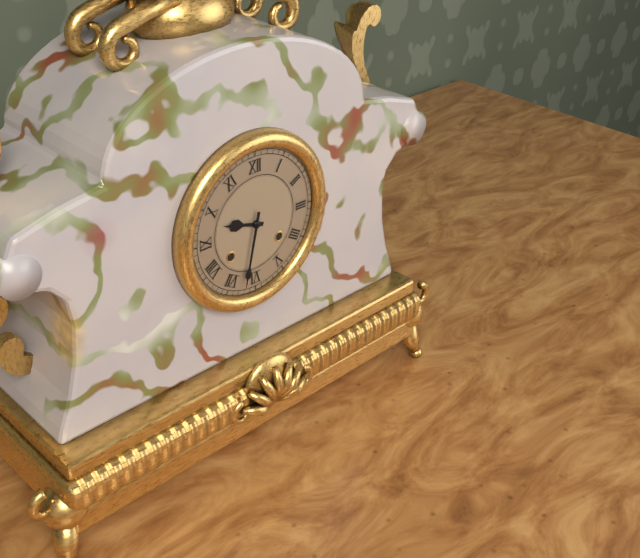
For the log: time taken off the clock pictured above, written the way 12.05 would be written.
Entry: 9.32
